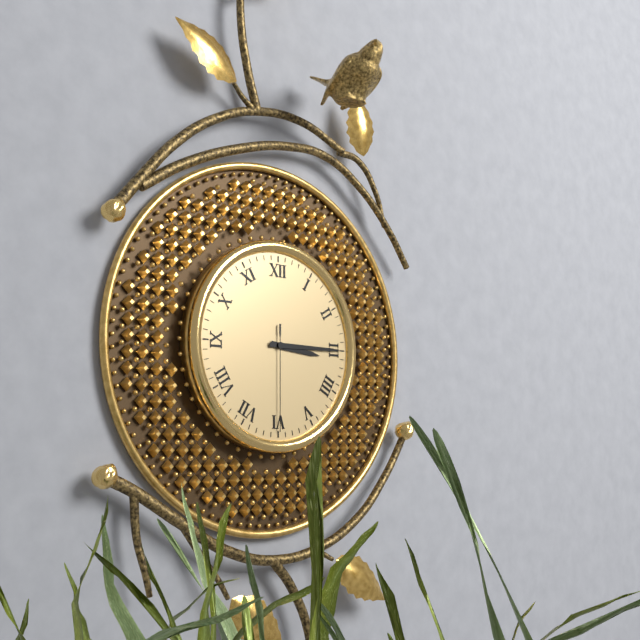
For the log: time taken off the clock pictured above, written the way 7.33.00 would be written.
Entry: 3.15.30
